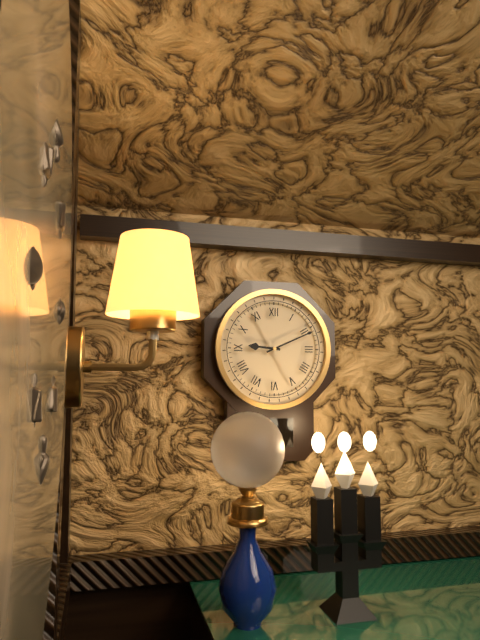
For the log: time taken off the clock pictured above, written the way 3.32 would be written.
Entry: 9.11
